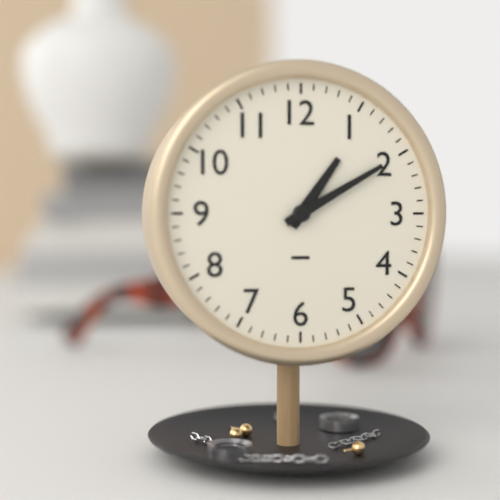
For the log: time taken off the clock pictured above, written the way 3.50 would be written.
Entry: 1.10
